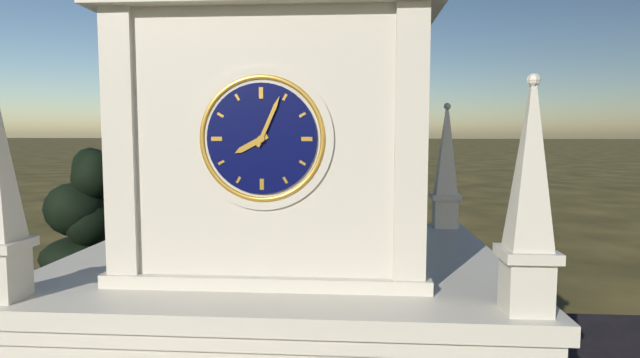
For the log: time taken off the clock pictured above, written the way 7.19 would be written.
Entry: 8.04
